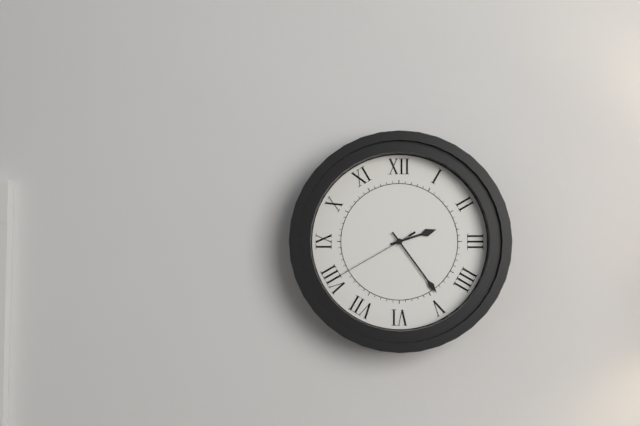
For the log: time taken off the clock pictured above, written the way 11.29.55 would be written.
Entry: 2.24.40
